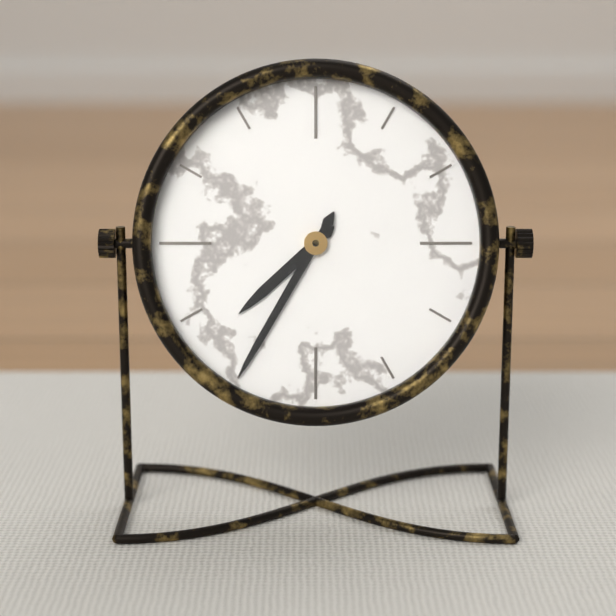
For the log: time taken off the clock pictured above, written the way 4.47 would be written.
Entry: 7.35
